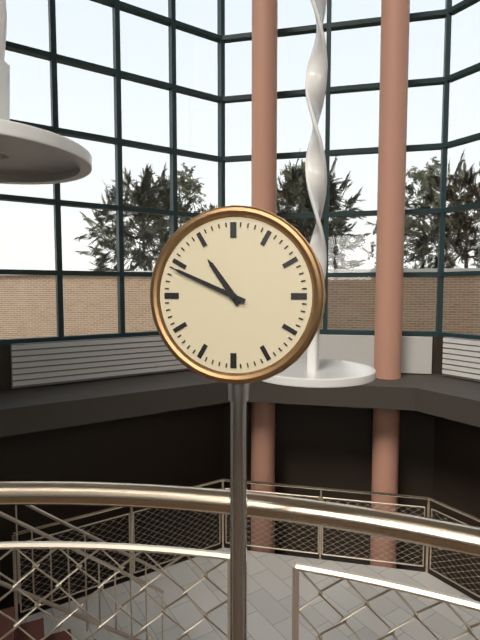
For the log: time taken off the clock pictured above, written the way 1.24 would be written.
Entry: 10.49
